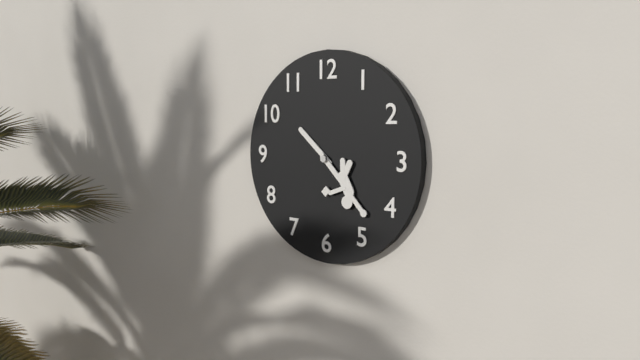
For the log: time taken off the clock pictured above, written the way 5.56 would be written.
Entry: 10.22
